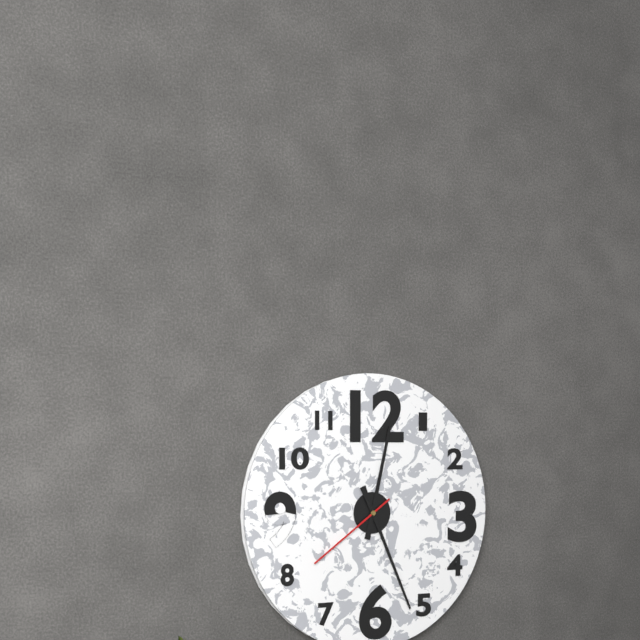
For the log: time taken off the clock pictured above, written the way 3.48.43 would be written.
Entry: 12.26.39
